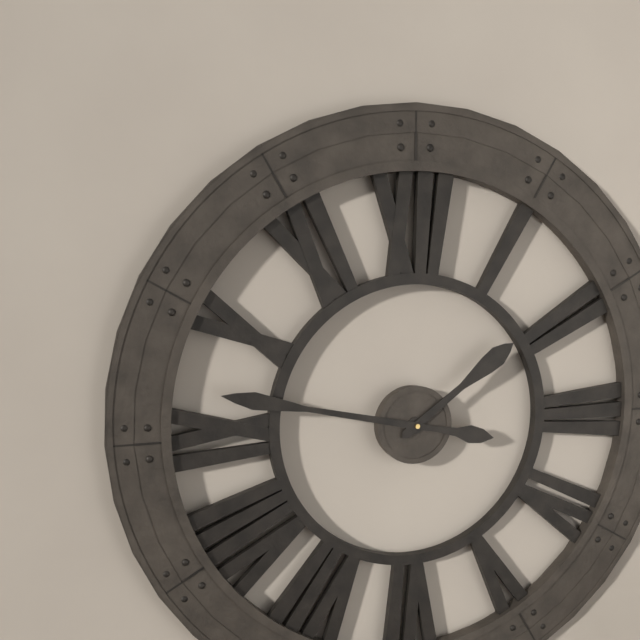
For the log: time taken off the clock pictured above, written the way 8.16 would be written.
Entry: 1.47
